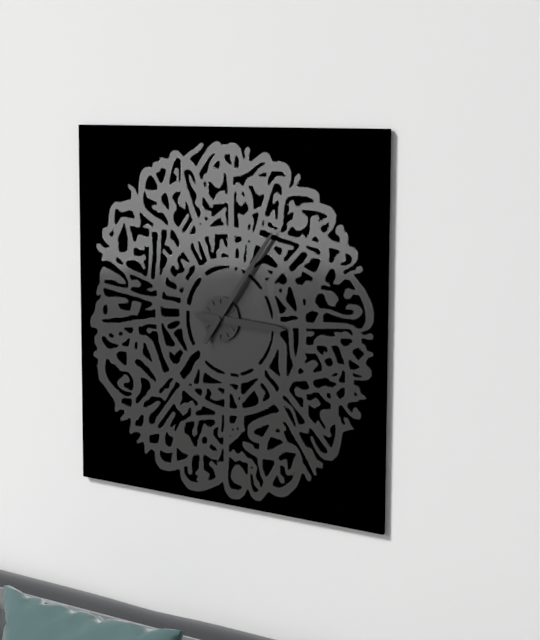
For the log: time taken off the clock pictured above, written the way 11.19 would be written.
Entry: 3.06
